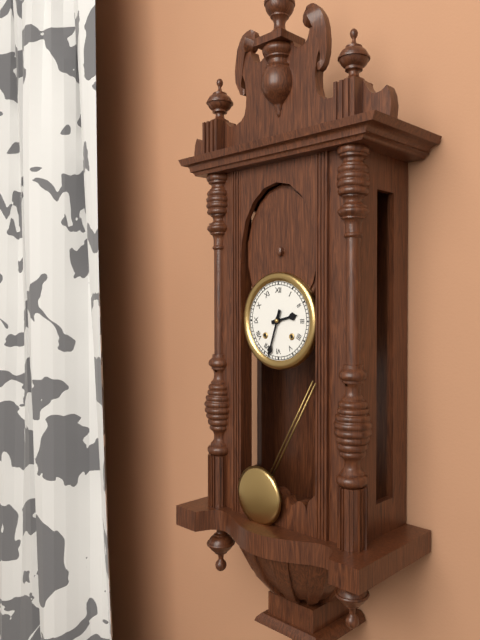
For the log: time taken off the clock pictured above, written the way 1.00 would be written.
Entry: 2.33
